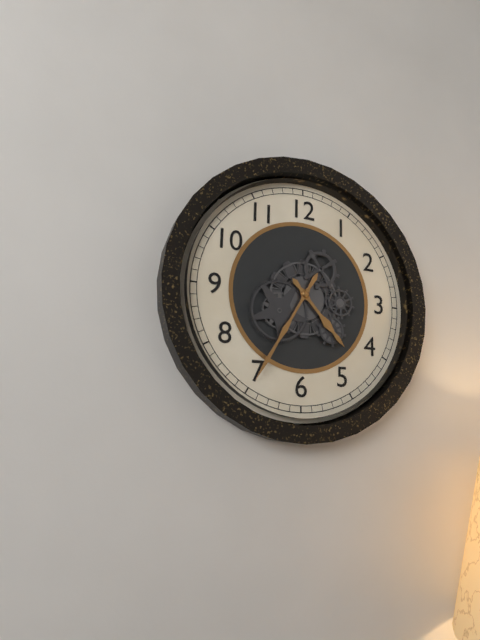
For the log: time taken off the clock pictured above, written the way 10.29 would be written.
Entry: 4.35
